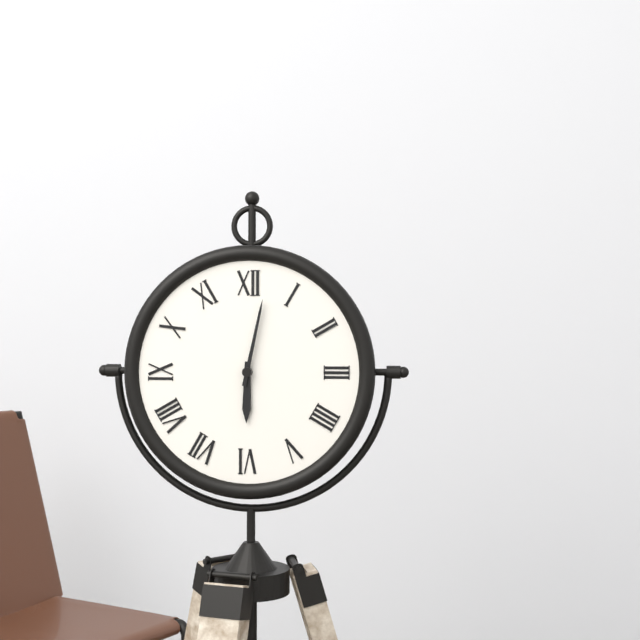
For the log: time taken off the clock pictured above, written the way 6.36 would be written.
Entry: 6.02
